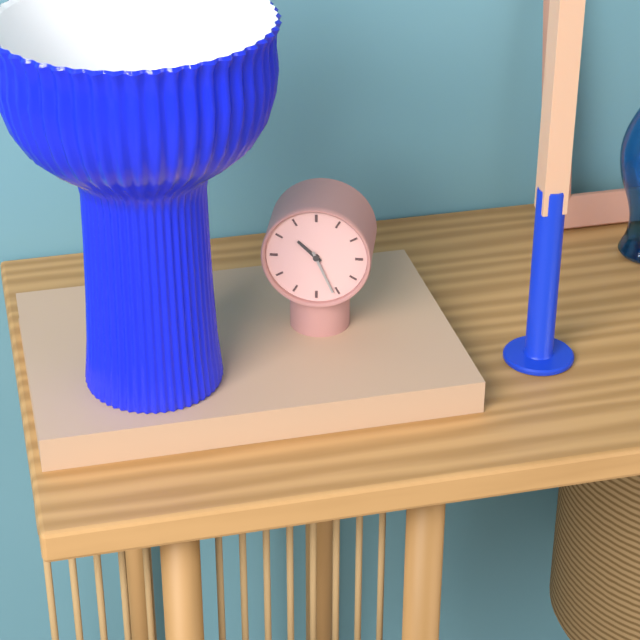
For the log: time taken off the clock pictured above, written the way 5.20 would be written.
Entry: 10.26
